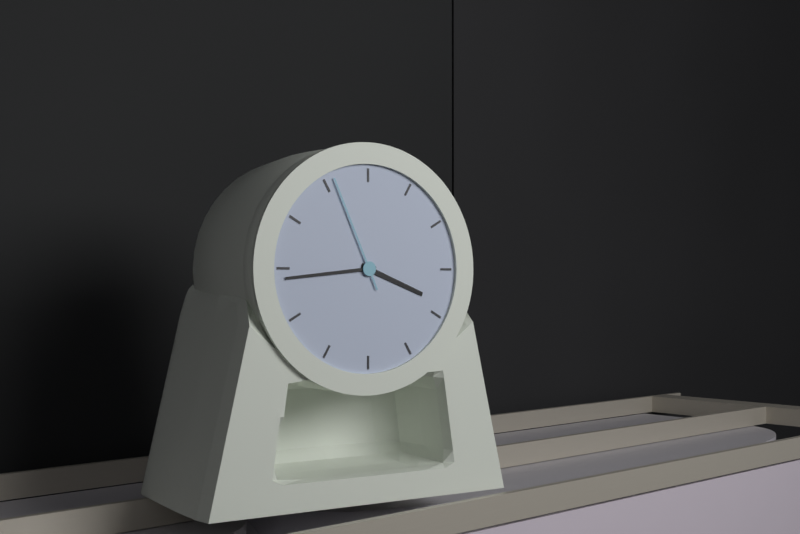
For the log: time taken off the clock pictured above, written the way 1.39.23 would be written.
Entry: 3.44.56
